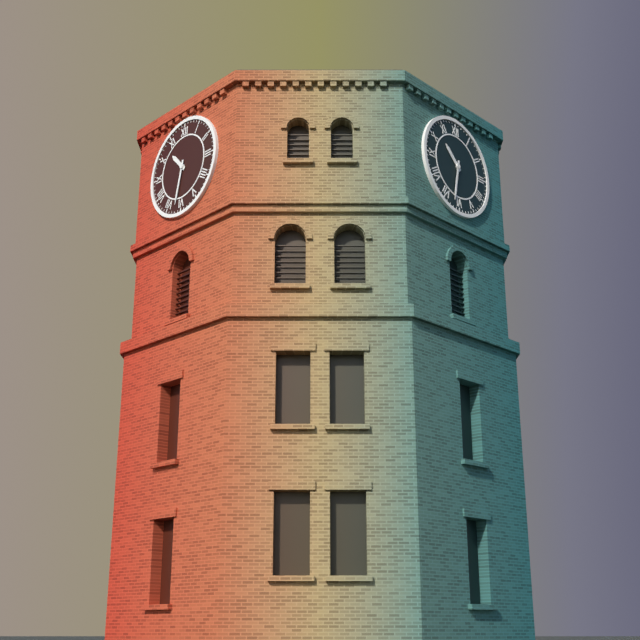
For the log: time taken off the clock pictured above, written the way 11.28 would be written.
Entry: 10.32
